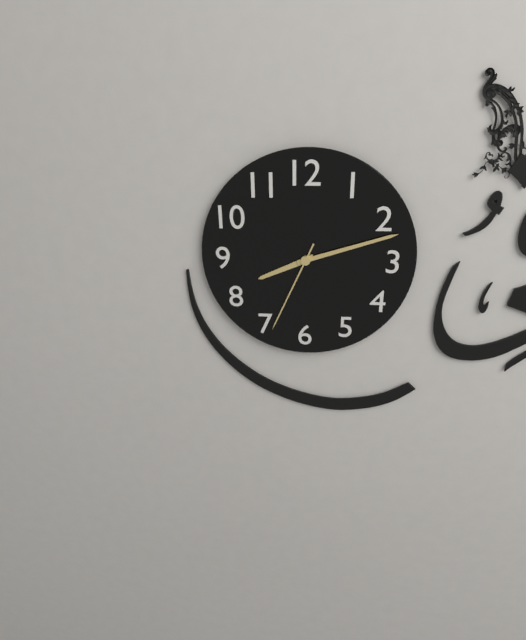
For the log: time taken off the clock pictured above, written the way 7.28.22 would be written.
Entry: 8.12.34
